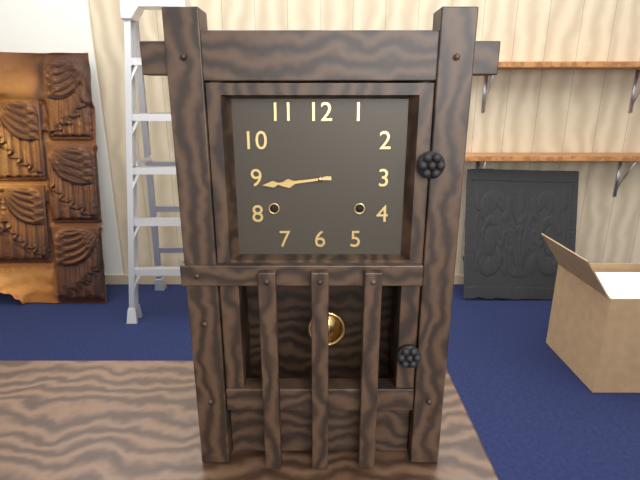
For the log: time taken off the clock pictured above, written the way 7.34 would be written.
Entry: 8.44
